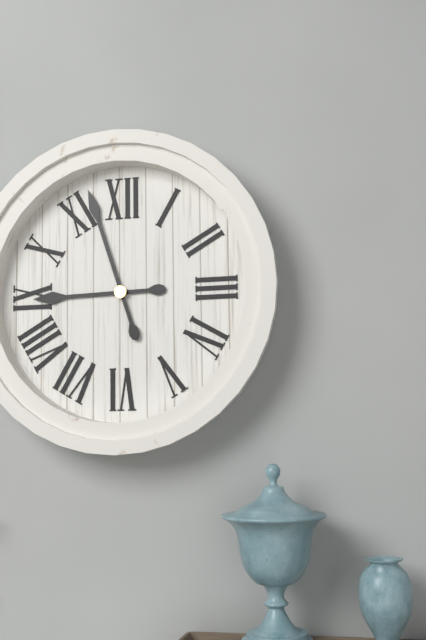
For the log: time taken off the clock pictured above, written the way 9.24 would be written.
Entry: 8.57
